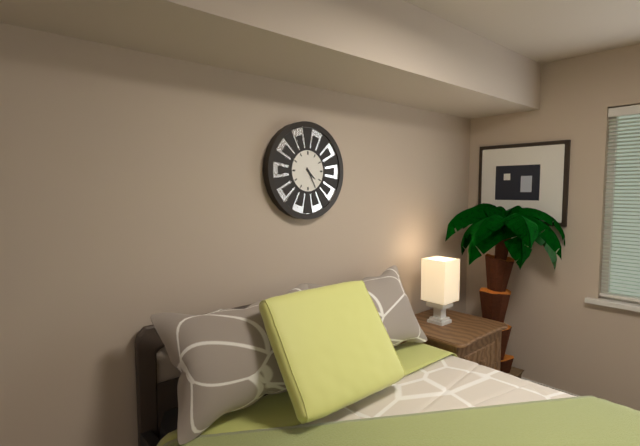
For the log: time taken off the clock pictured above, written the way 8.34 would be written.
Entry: 4.25
